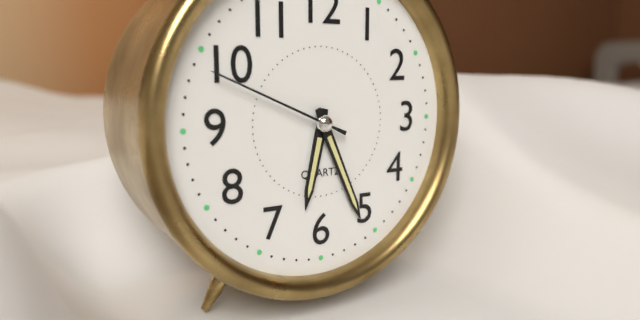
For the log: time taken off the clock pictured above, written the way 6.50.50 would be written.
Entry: 6.26.49
